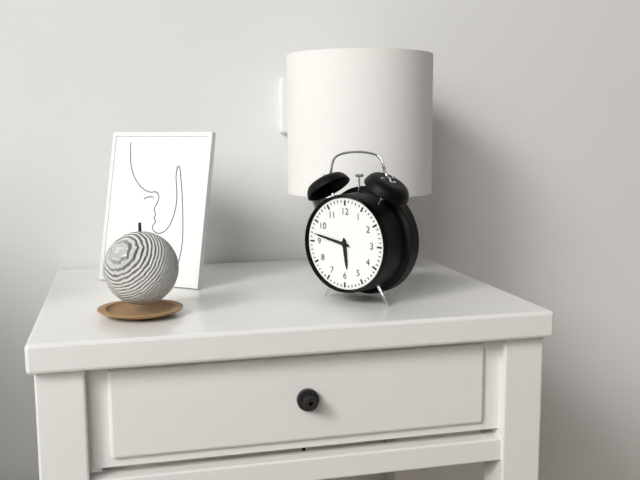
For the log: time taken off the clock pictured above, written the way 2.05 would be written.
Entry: 5.47
